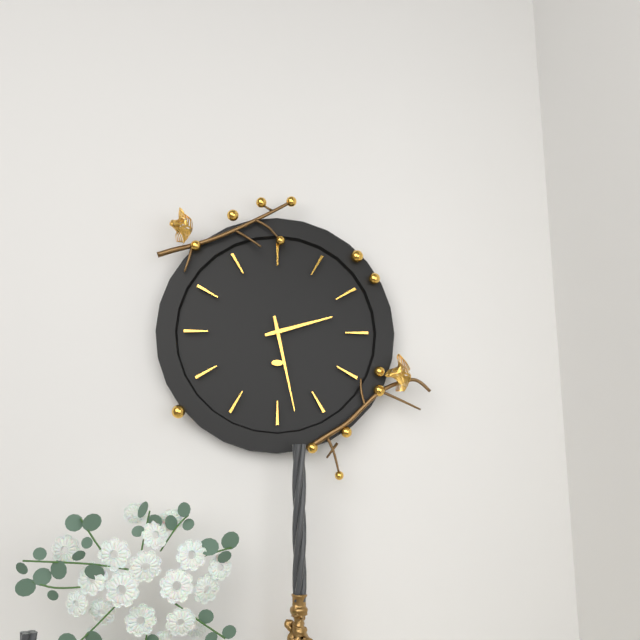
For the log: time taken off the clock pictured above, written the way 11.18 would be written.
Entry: 2.28
